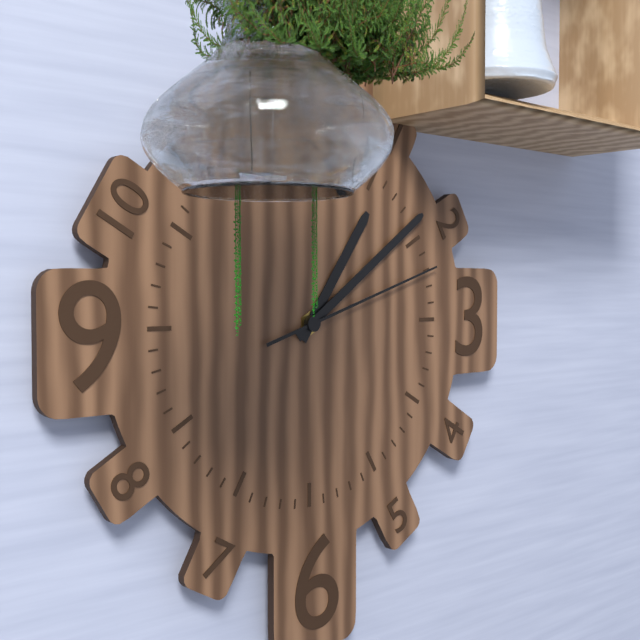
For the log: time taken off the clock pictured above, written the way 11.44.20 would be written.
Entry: 1.09.12
